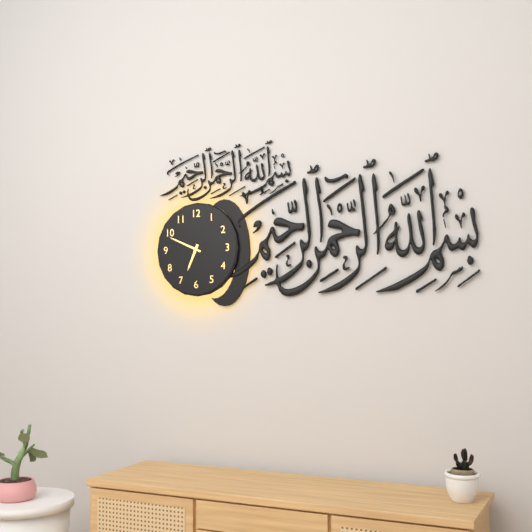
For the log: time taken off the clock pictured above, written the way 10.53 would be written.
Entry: 6.49
